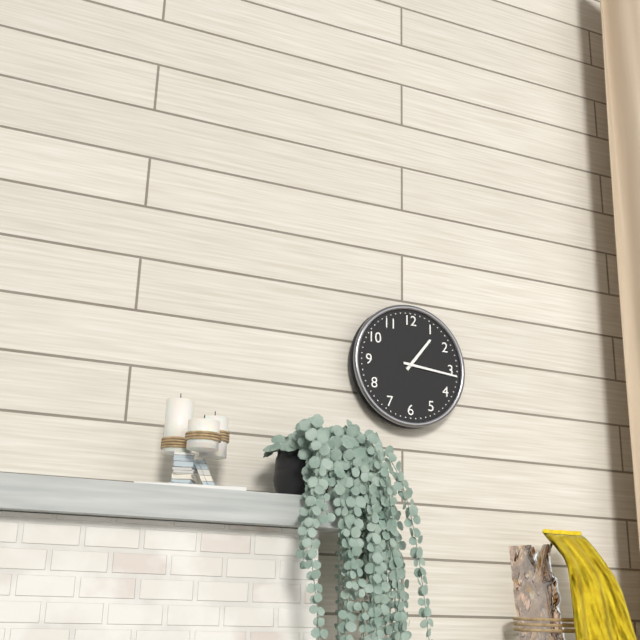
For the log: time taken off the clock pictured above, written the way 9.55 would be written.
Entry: 1.16
